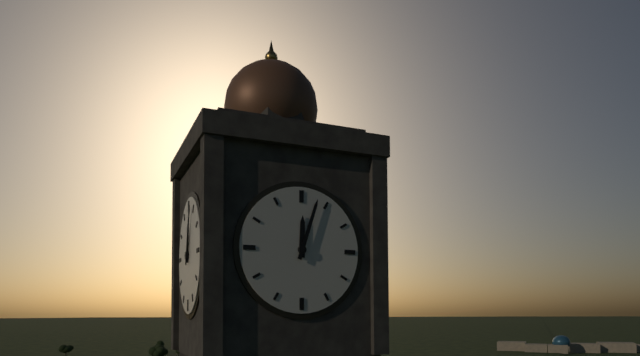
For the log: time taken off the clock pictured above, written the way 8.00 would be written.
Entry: 12.03
